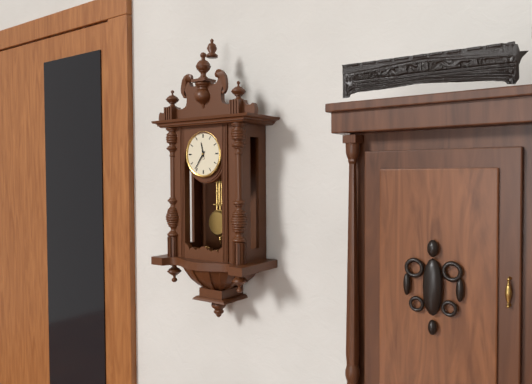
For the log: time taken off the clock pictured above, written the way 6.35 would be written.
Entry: 11.36
